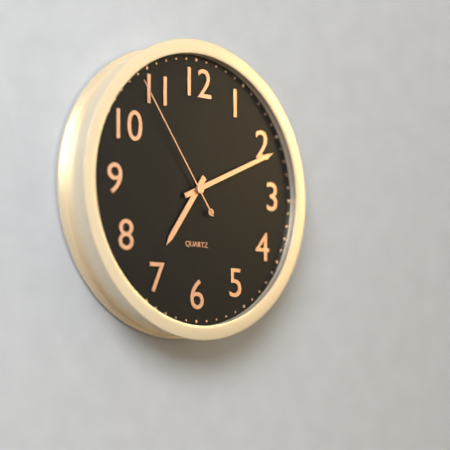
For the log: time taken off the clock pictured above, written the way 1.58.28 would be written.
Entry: 7.11.54
